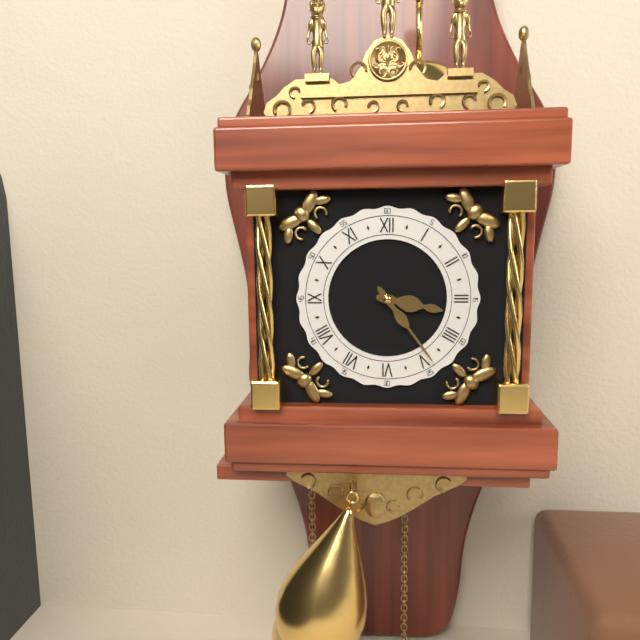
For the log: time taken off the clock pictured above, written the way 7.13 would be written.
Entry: 3.24
